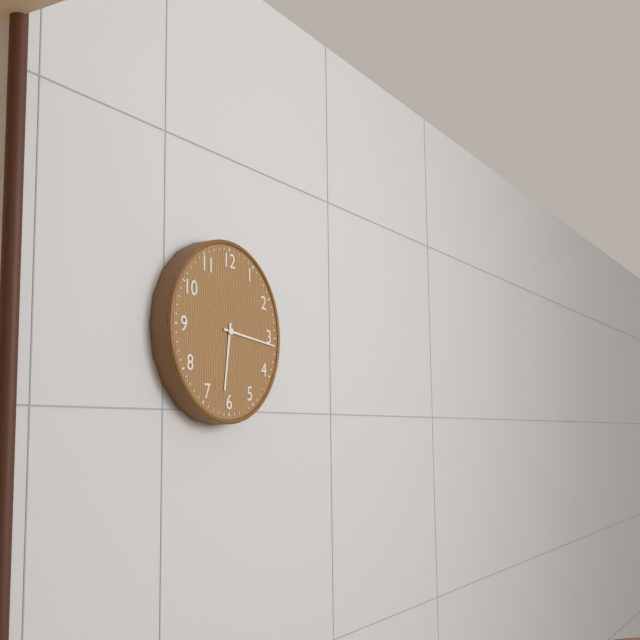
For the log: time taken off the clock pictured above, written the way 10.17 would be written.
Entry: 6.16
